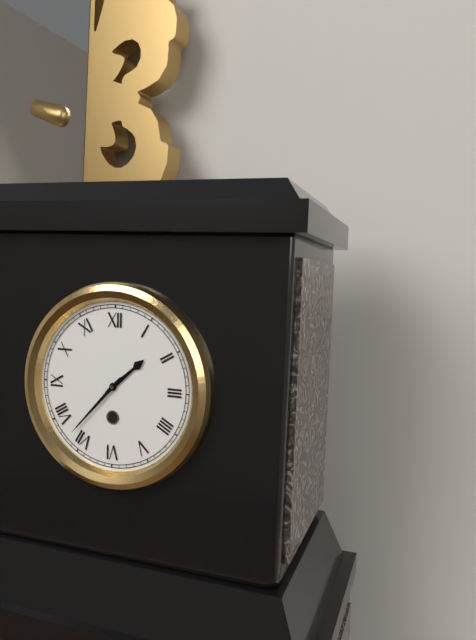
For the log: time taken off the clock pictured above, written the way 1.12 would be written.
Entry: 1.37
